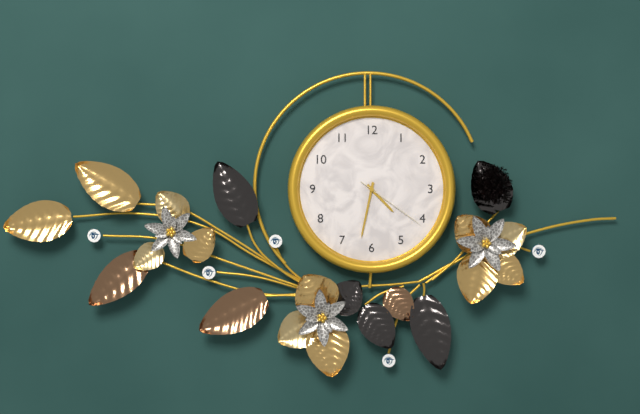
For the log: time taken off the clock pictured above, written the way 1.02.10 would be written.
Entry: 4.32.21
